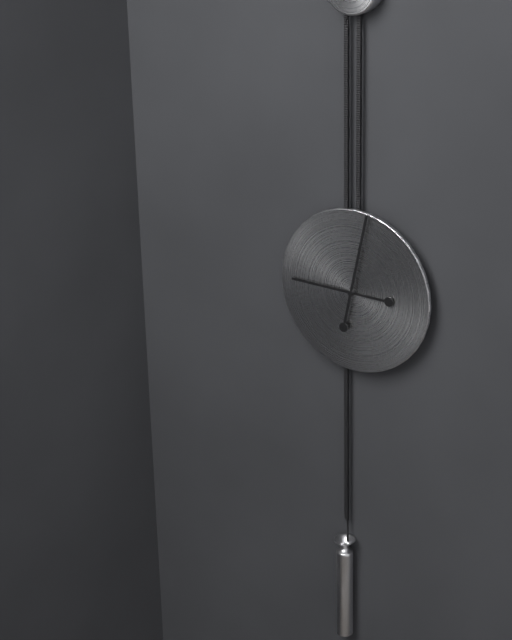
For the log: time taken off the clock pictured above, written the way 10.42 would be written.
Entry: 9.02
